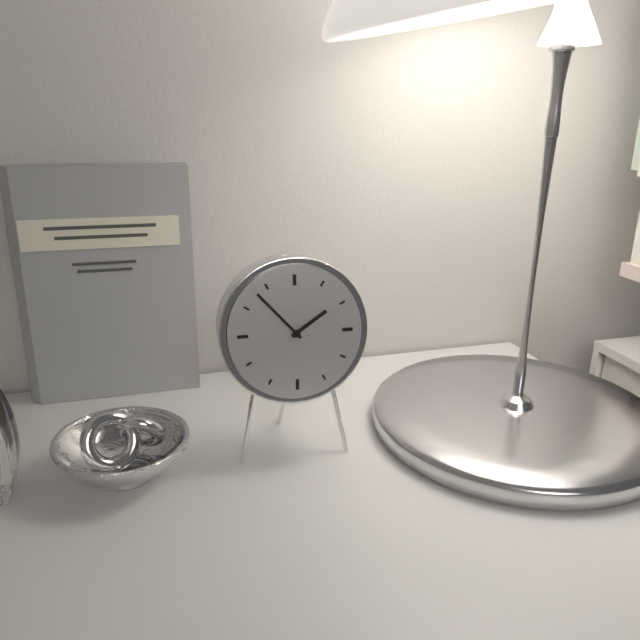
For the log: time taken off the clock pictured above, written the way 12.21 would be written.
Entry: 1.53
